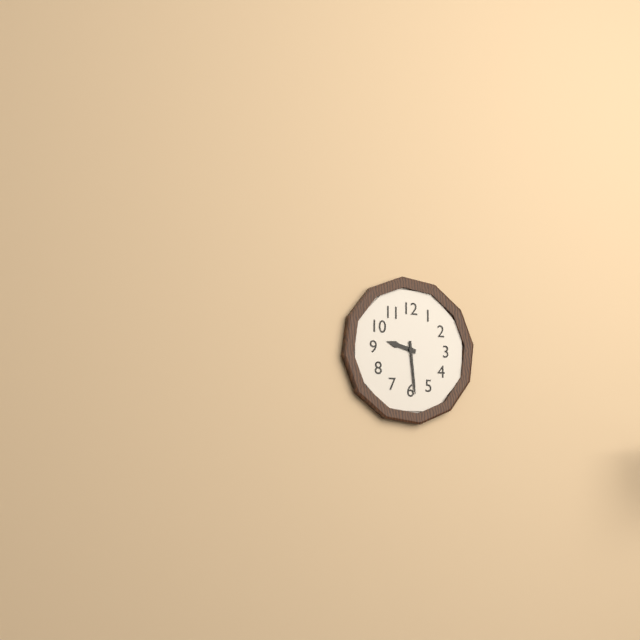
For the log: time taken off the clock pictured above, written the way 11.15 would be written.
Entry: 9.29
